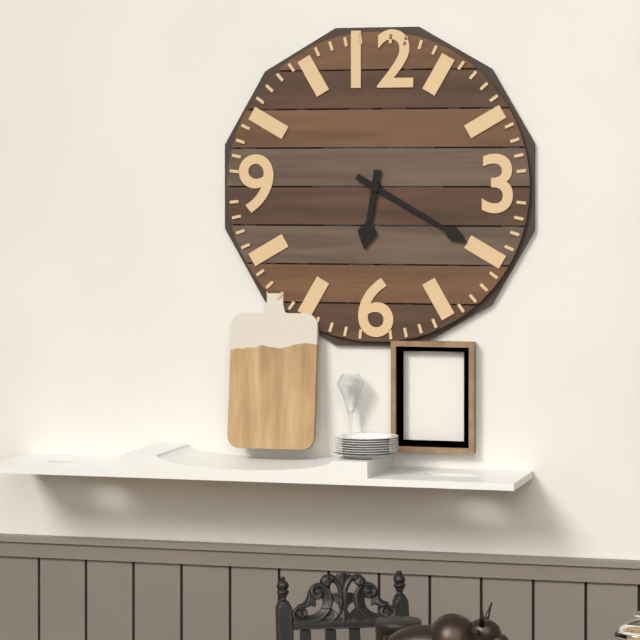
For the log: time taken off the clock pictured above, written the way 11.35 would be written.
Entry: 6.20
